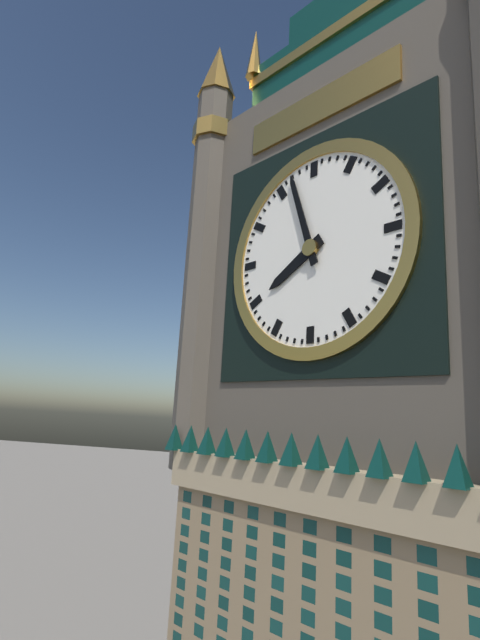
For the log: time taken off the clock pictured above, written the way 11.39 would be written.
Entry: 7.57
